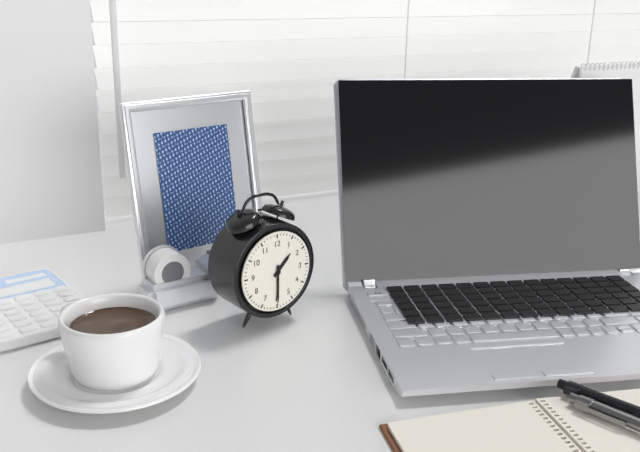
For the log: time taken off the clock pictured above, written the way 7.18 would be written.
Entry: 1.30
